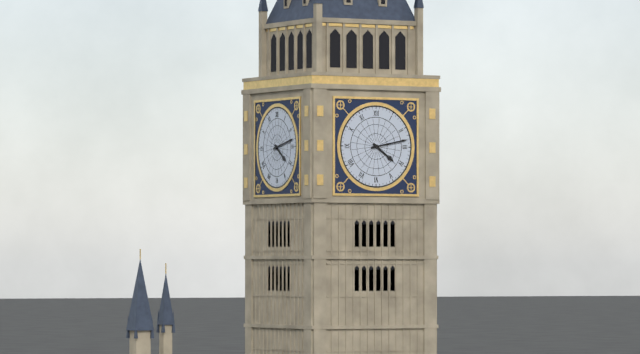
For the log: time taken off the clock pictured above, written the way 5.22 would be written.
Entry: 4.13
